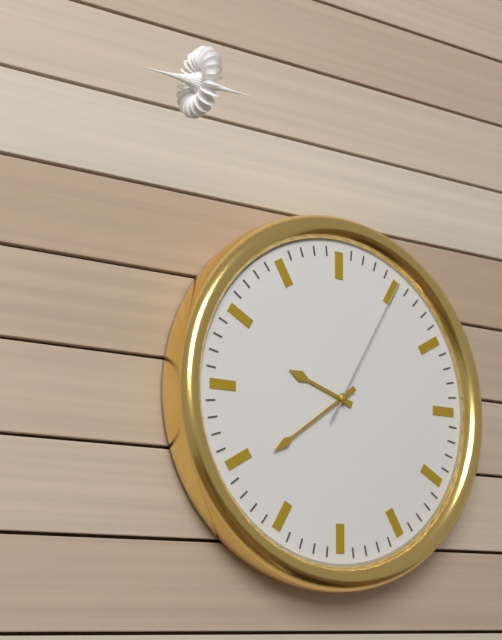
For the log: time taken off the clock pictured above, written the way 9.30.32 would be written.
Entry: 9.39.05
